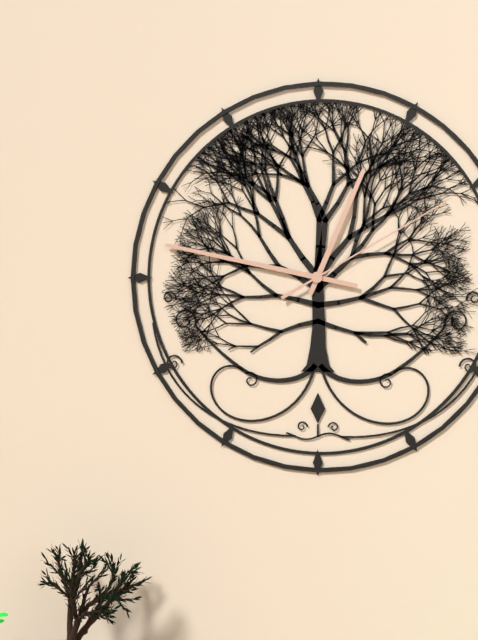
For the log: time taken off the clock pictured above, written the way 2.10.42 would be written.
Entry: 12.47.10
